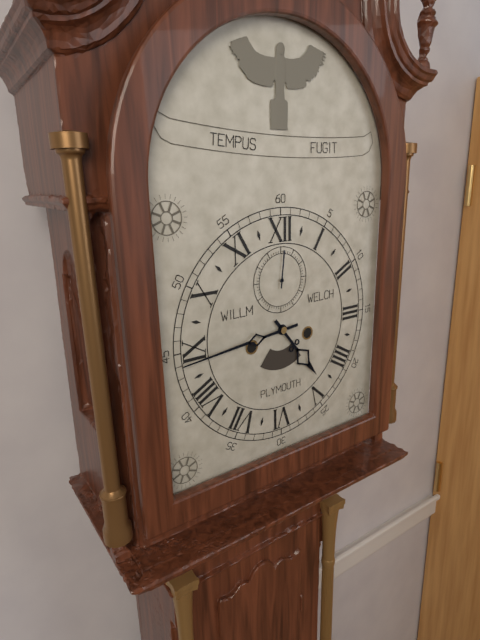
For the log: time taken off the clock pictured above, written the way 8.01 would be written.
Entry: 4.44
